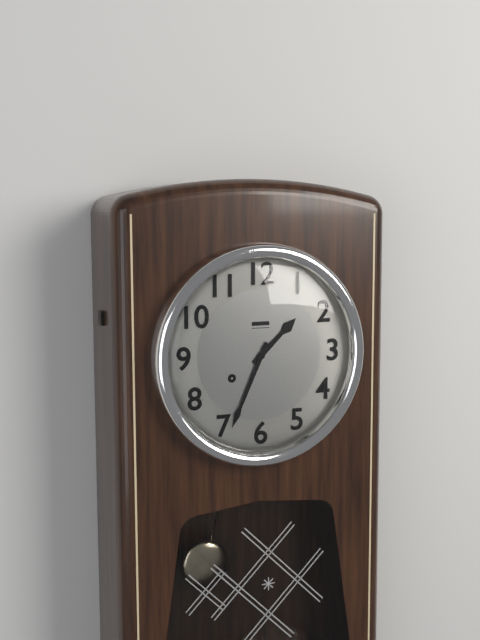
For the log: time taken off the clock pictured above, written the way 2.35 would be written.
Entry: 1.34
